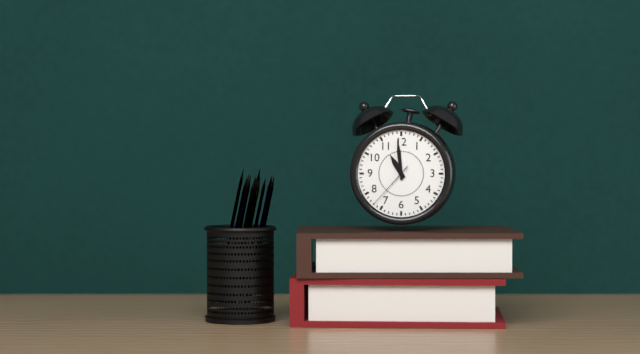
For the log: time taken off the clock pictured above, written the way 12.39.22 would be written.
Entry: 10.59.37
